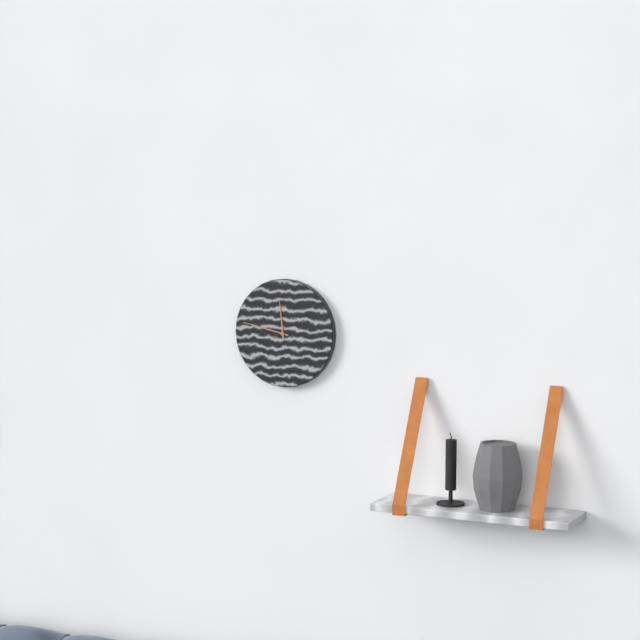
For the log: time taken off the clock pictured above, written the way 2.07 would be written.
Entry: 11.47
